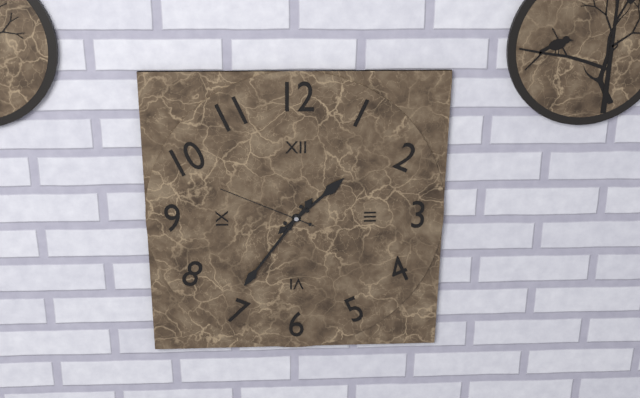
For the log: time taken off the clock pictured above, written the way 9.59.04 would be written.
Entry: 1.36.49
